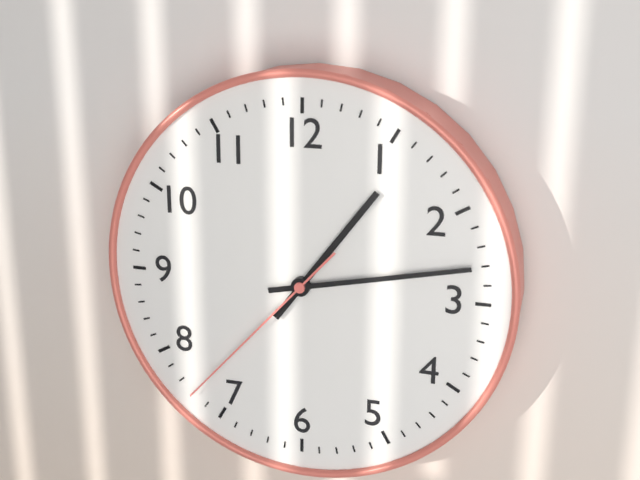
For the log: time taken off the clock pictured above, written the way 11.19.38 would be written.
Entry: 1.13.37
